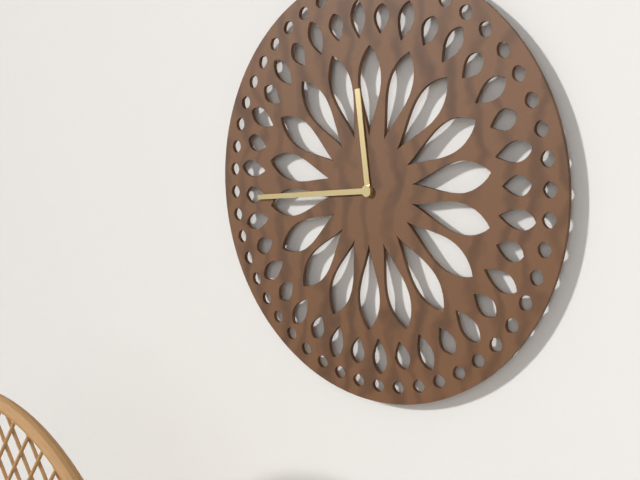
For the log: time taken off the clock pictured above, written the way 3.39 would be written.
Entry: 11.44
